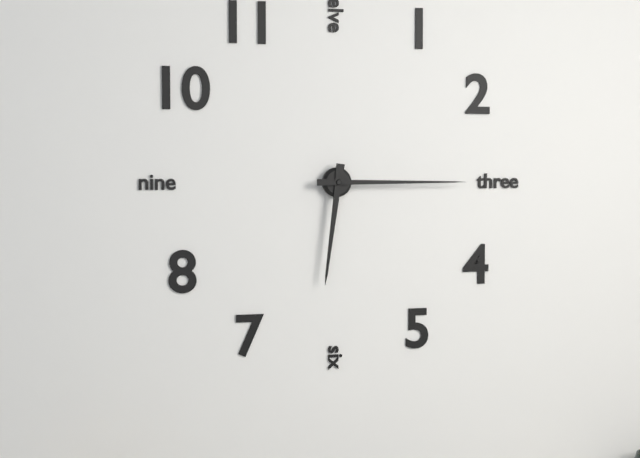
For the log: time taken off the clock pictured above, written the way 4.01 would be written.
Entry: 6.15
